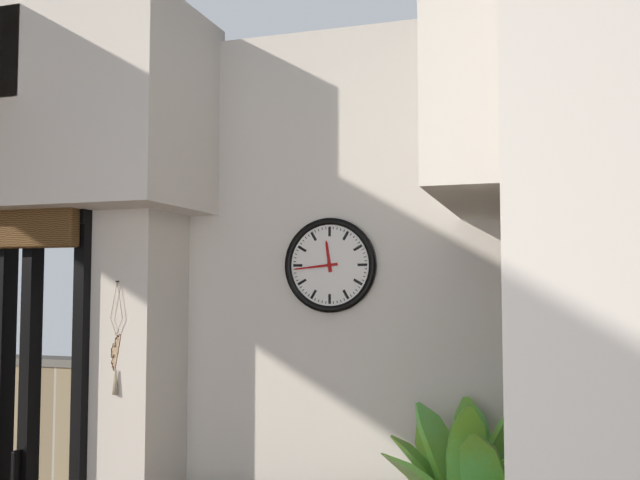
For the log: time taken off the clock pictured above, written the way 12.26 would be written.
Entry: 11.44
